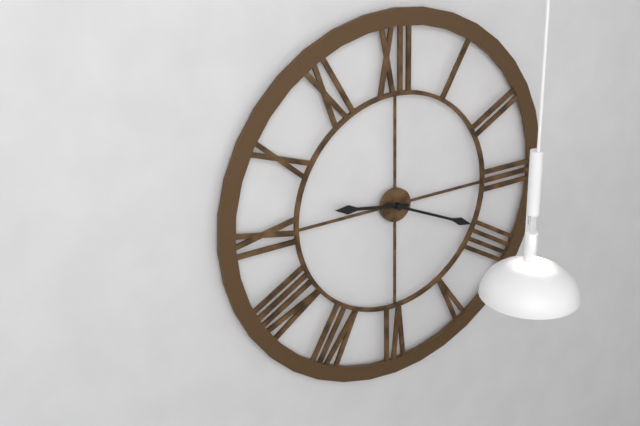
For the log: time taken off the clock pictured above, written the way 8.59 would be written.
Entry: 9.19
